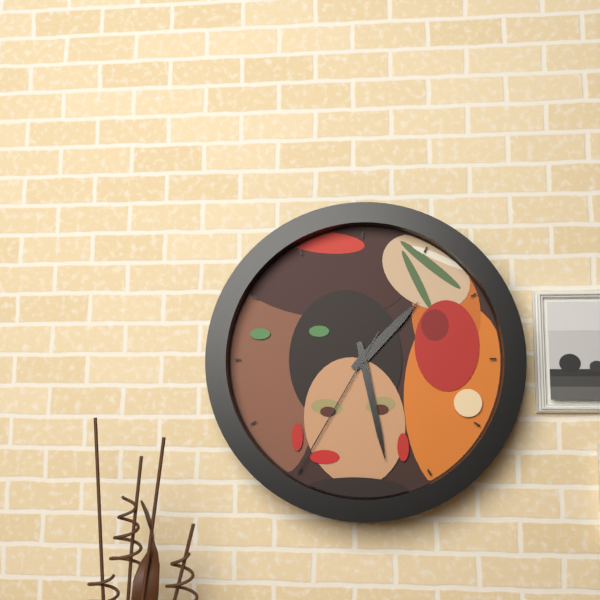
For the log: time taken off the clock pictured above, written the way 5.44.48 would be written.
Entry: 1.28.35
